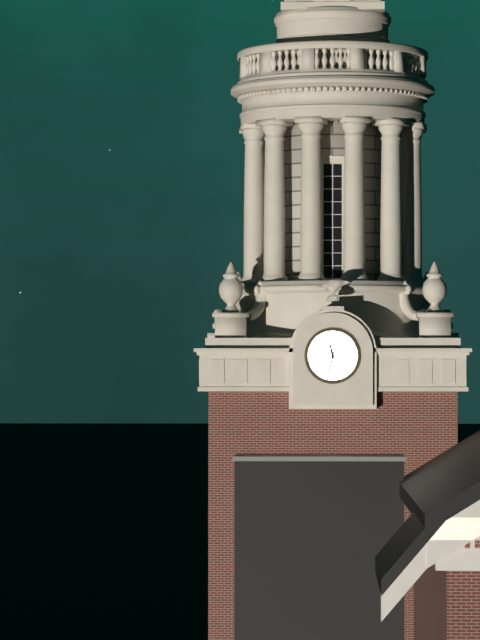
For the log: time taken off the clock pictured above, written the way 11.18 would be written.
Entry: 11.32
